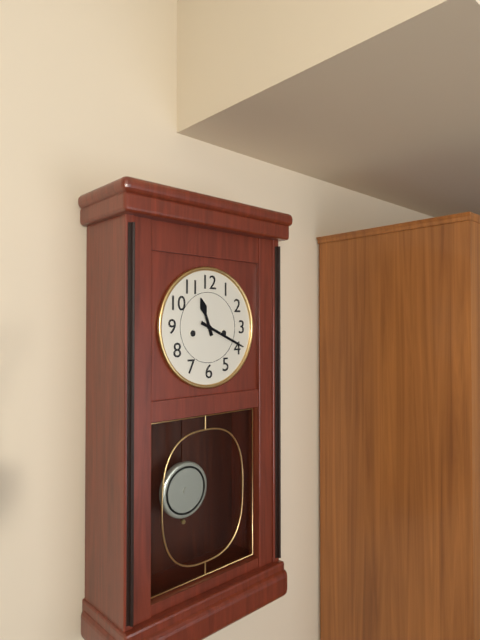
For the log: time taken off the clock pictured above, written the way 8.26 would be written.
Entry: 11.19
